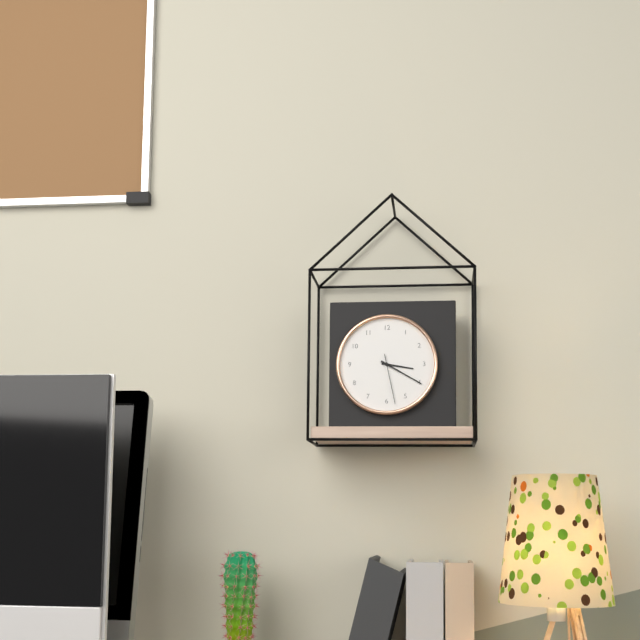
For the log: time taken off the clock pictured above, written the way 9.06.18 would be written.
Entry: 3.20.28
